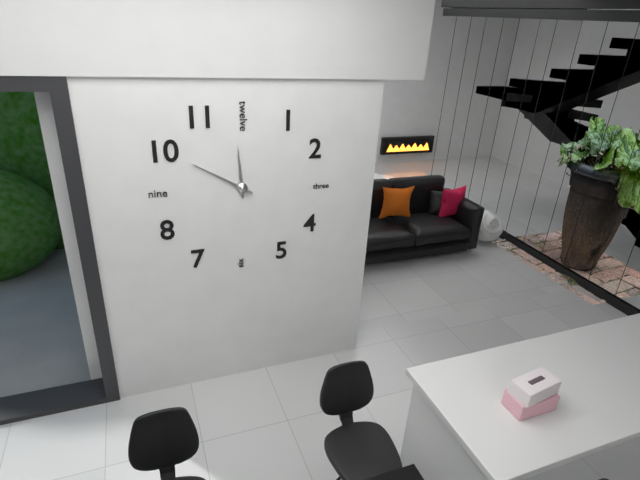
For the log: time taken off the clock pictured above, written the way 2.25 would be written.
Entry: 11.50
